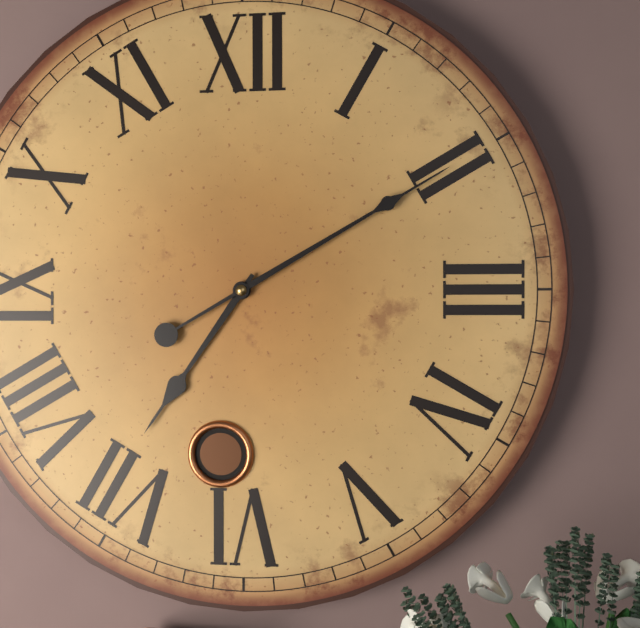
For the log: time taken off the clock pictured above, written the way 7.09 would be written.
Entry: 7.10
